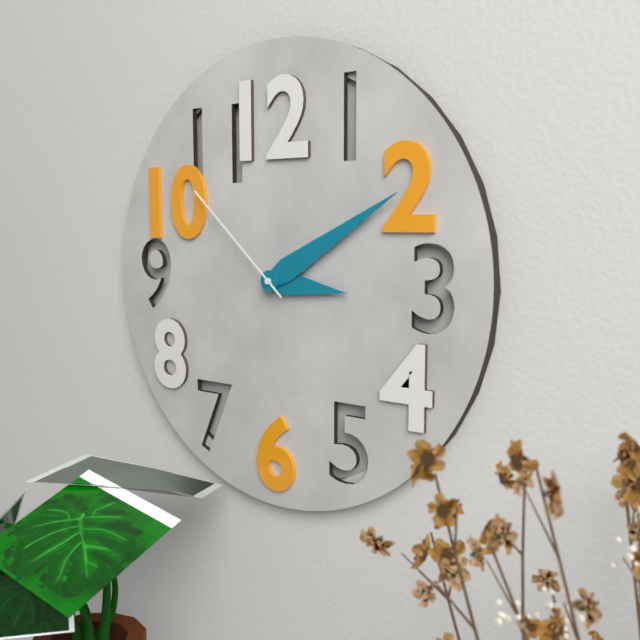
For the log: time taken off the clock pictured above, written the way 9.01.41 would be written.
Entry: 3.10.52
